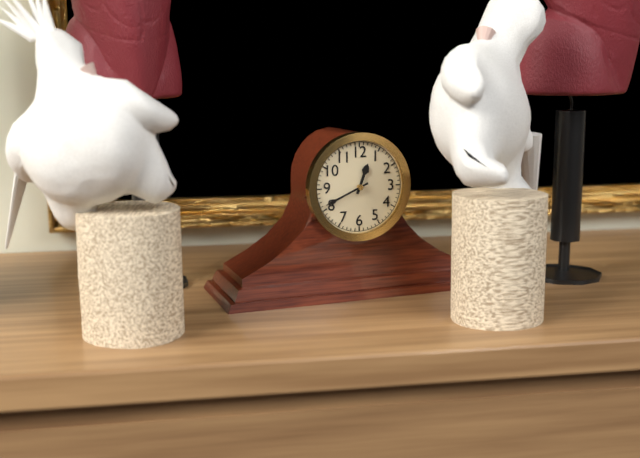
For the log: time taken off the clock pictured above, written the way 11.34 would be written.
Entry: 12.41
